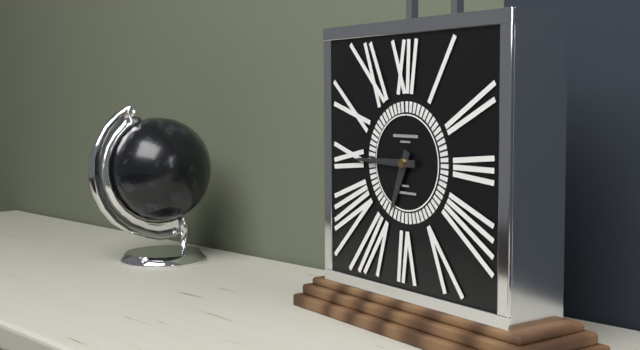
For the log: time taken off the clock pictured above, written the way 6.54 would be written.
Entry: 6.45
